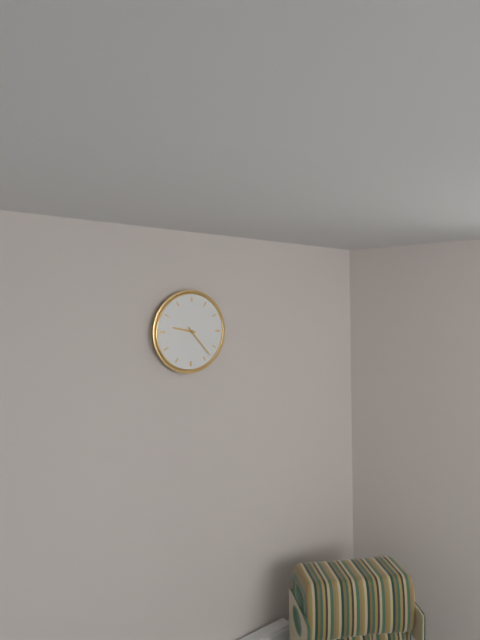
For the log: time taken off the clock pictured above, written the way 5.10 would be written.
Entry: 9.23
